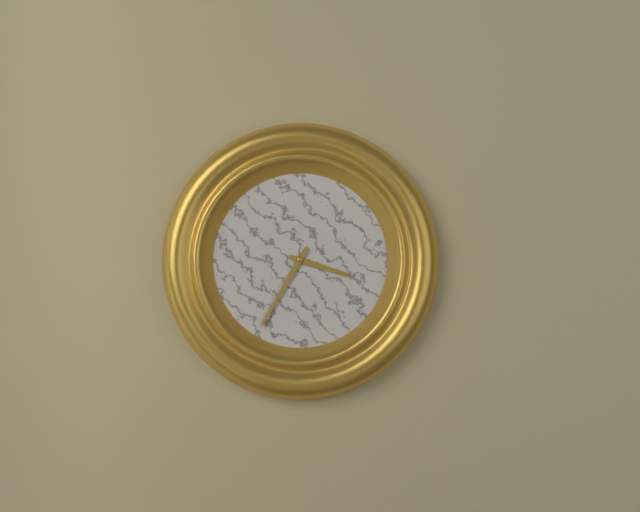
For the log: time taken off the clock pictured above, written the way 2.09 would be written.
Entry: 3.35
